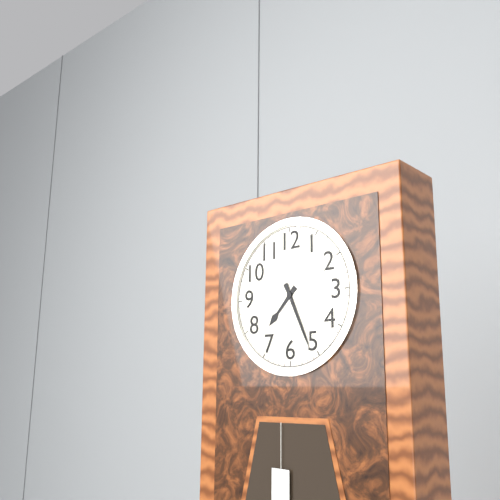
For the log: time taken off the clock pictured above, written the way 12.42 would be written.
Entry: 7.26
